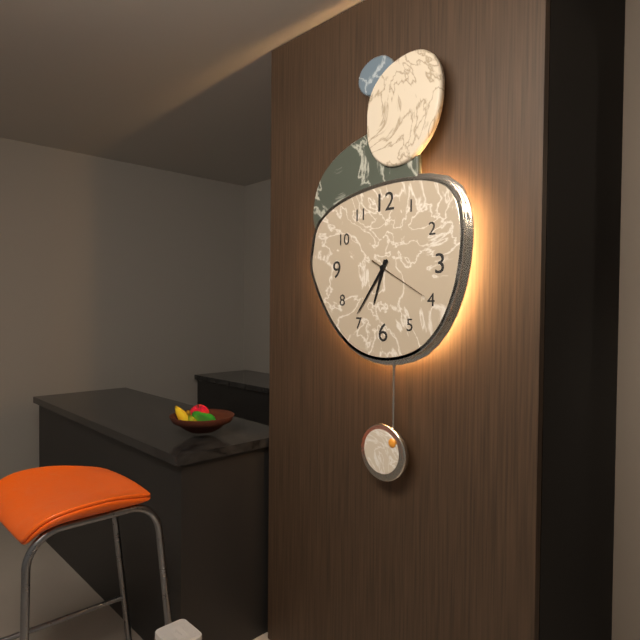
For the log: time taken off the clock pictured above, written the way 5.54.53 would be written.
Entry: 6.36.20
